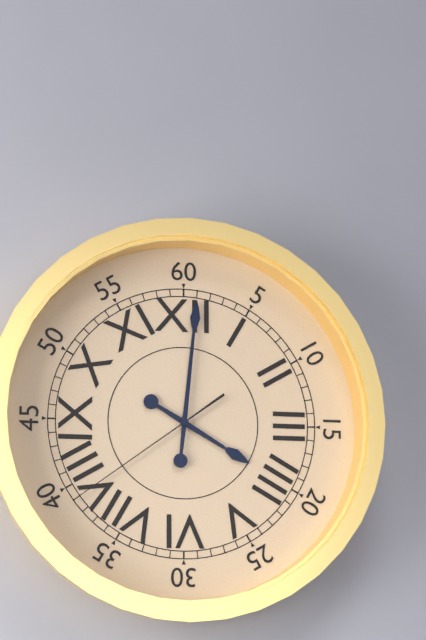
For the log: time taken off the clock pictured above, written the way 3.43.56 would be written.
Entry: 4.01.39
